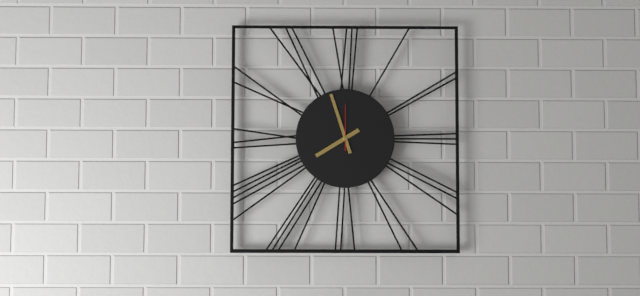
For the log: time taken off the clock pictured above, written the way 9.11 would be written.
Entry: 7.57
